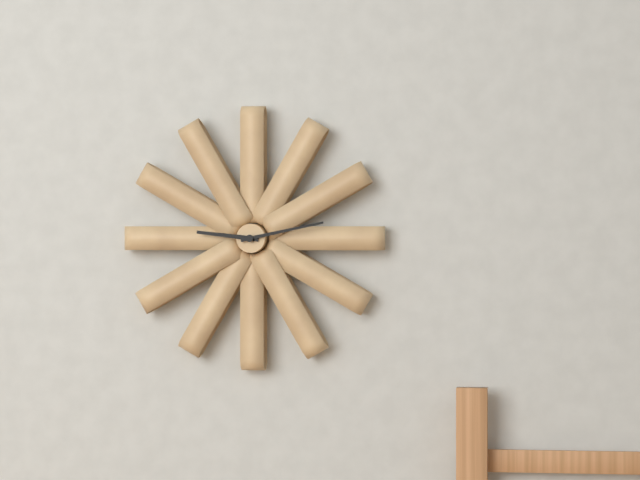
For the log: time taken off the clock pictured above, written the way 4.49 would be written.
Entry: 9.13
